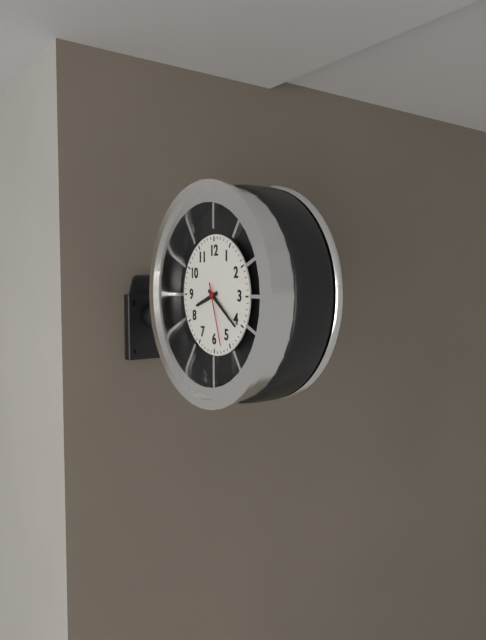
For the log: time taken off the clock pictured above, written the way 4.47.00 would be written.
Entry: 8.21.27
